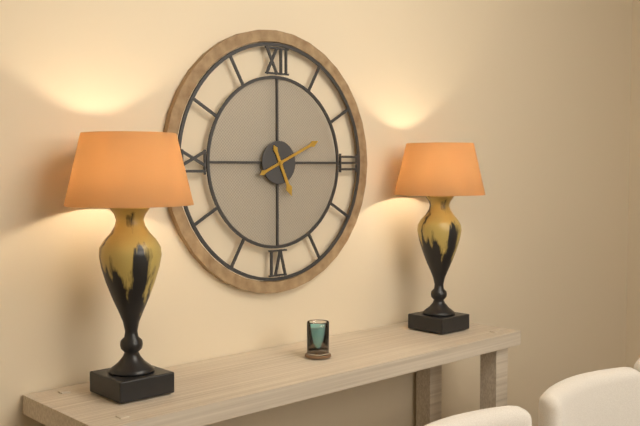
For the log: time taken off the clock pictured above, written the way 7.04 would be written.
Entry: 5.11
